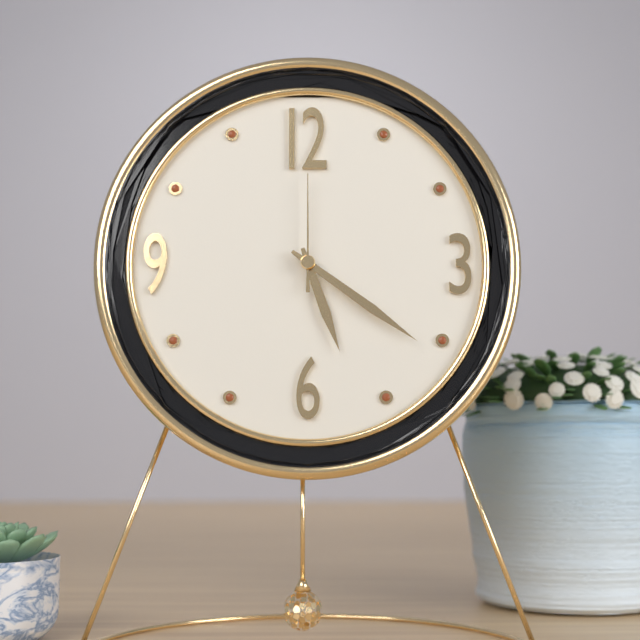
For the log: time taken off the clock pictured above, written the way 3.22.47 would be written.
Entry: 5.21.00
